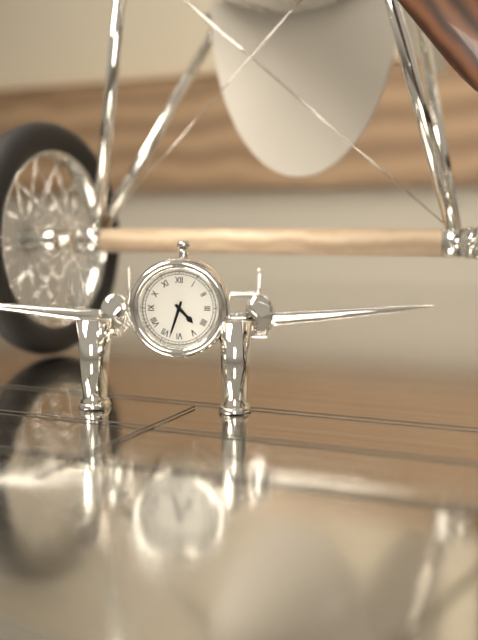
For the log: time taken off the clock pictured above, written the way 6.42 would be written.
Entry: 4.33
